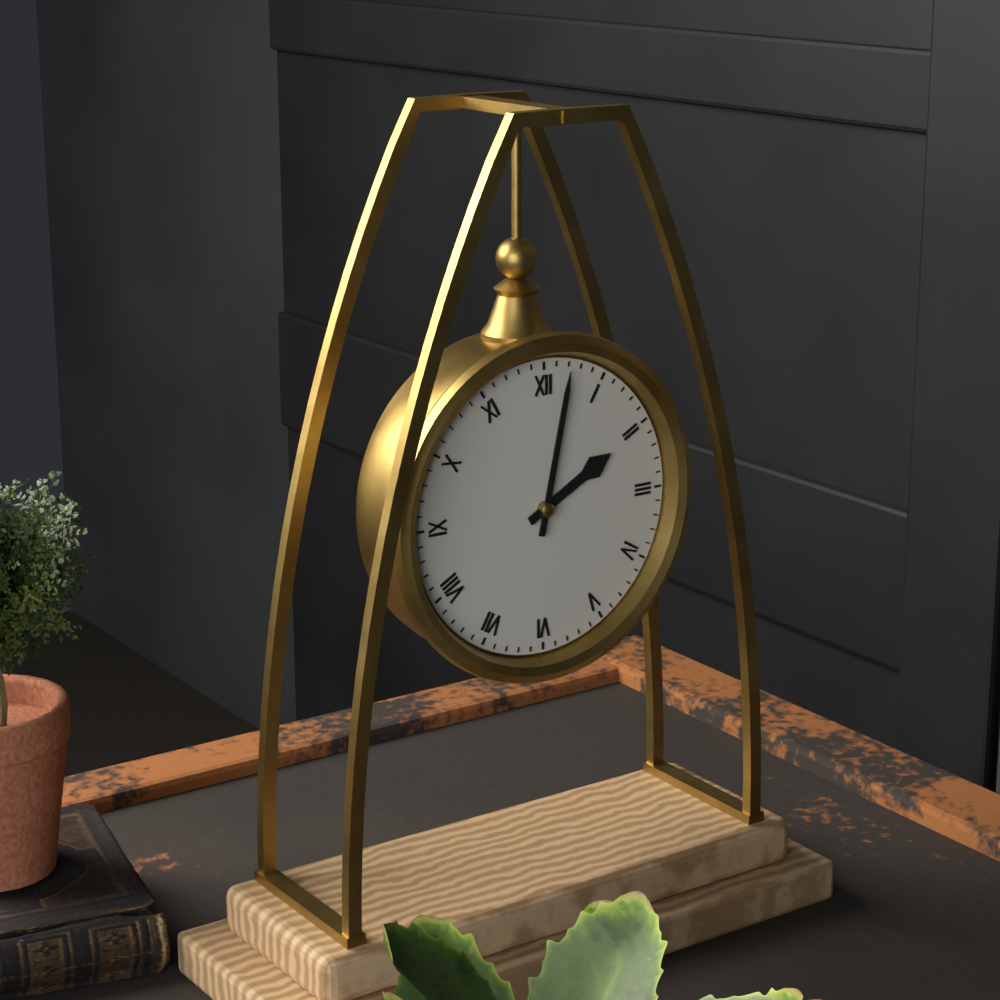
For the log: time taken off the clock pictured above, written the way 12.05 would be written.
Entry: 2.02
